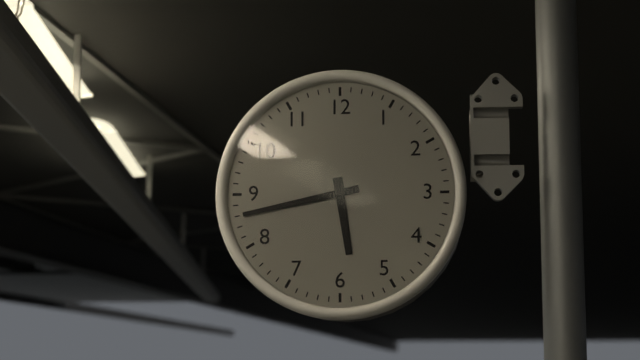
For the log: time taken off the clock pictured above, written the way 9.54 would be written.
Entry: 5.43
